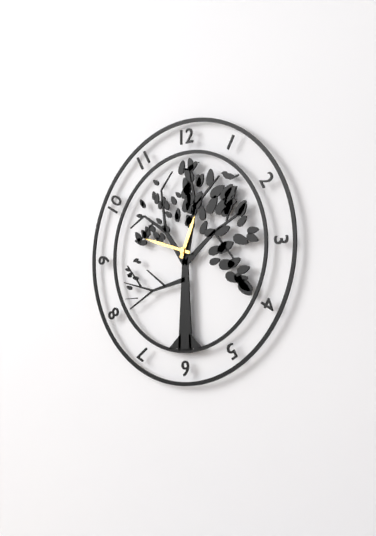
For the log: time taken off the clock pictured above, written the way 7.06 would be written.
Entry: 12.48
